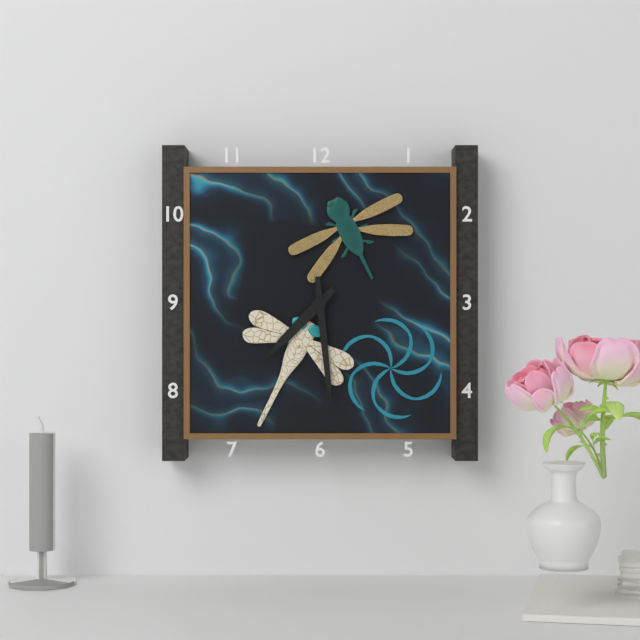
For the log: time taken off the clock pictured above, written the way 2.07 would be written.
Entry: 7.29
